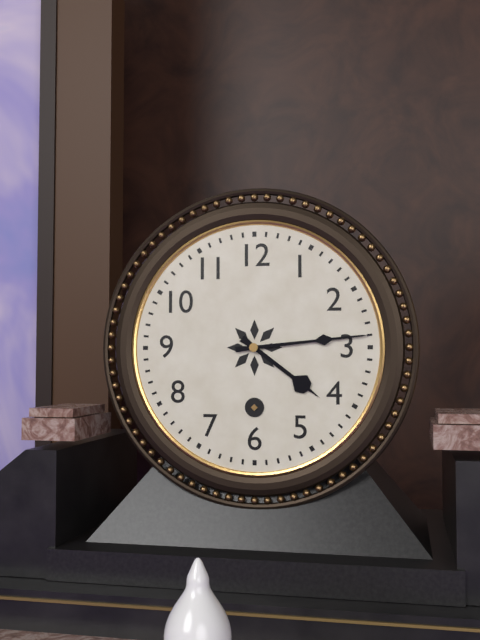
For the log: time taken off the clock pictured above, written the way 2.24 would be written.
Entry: 4.14
